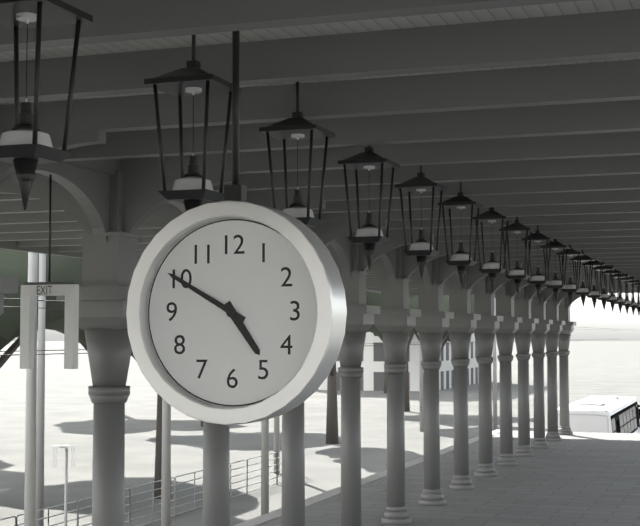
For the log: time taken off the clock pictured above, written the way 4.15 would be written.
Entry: 4.50
